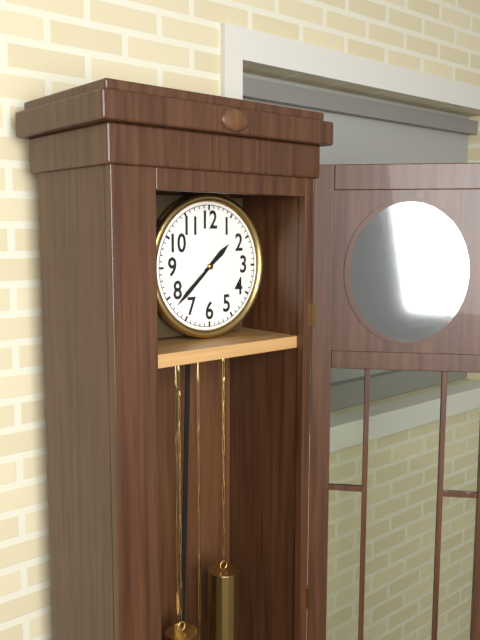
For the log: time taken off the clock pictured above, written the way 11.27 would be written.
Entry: 1.38
